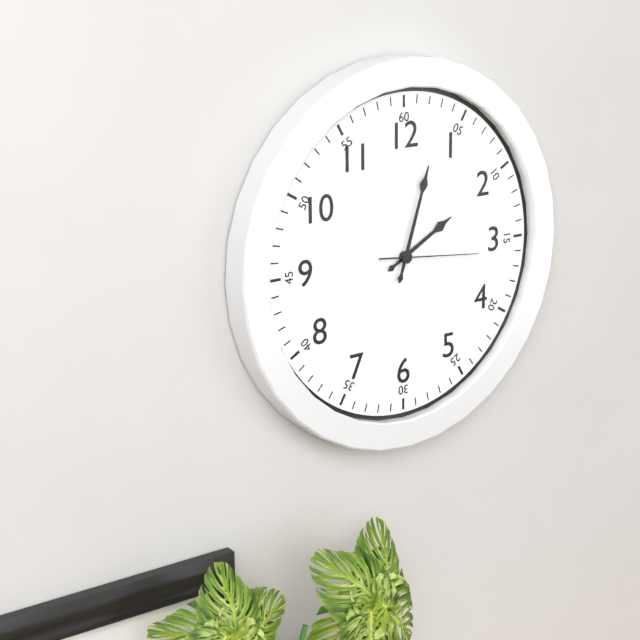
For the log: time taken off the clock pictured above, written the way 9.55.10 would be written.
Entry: 2.03.16
